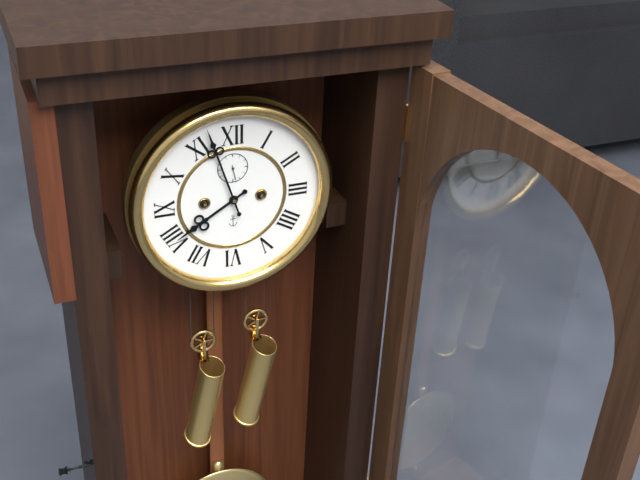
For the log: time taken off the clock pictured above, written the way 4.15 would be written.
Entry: 7.57
